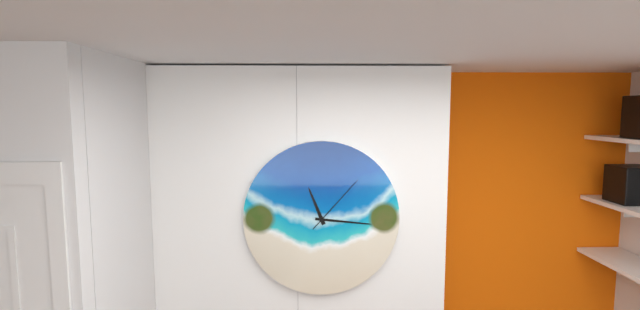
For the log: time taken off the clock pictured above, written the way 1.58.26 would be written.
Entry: 11.16.07
